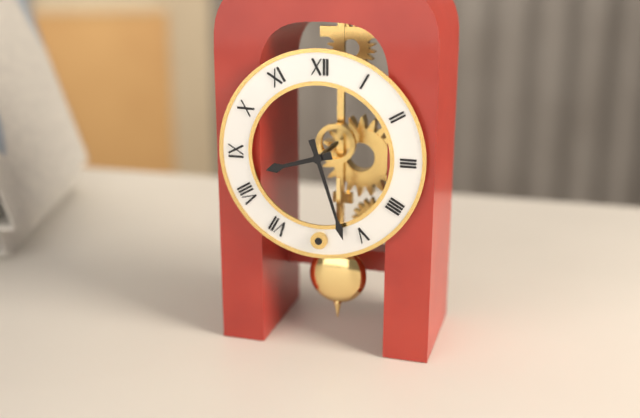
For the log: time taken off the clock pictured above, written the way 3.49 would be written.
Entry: 8.27
